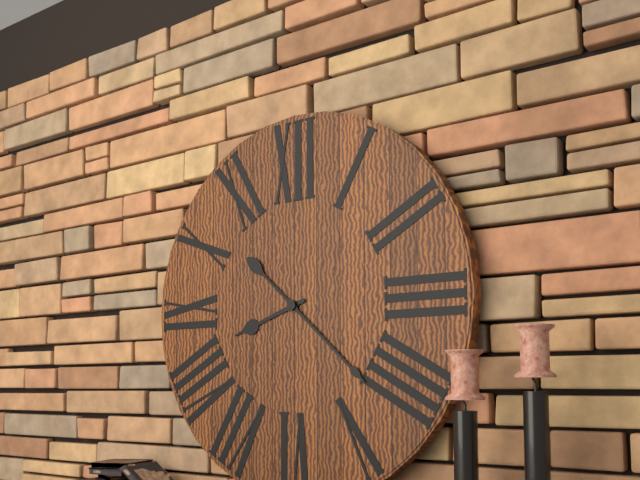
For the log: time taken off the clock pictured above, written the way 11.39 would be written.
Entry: 8.22
